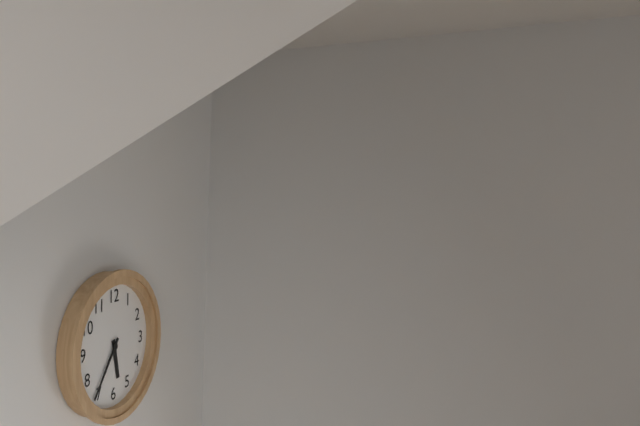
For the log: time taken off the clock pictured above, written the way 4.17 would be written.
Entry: 5.36
